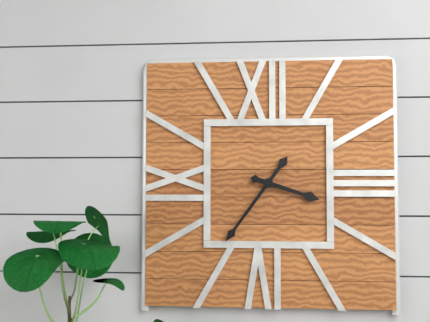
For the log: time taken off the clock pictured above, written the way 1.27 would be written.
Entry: 3.36
